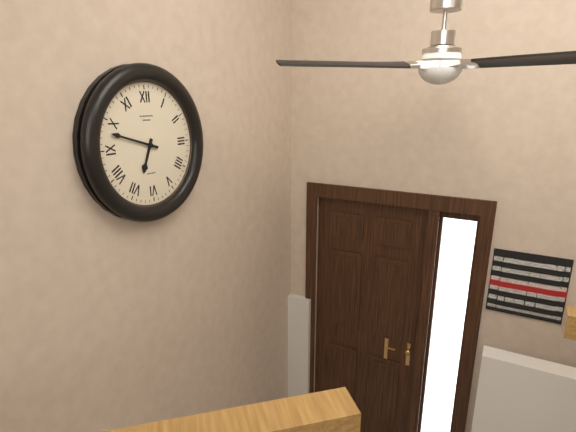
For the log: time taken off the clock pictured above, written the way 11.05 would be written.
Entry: 6.48
